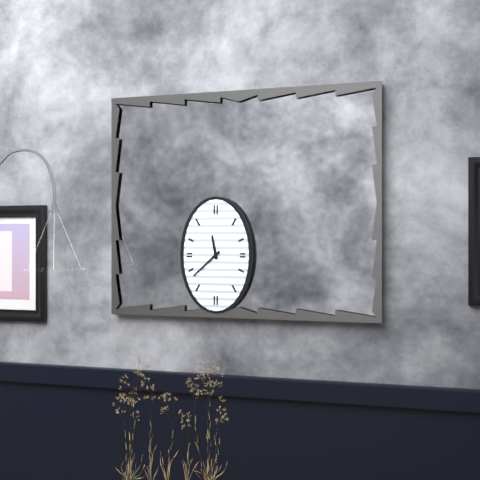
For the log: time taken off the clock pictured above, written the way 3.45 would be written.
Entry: 11.38
